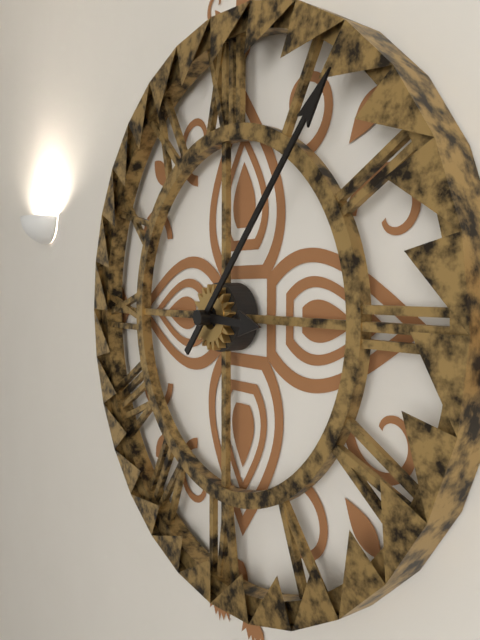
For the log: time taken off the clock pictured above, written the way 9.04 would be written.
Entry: 3.07
